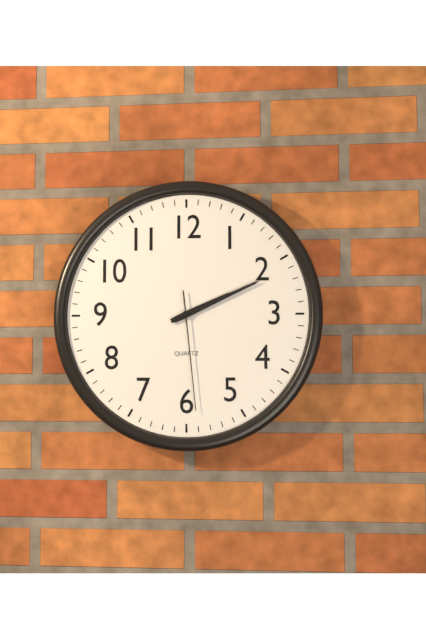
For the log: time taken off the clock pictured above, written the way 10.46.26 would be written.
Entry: 2.11.29
